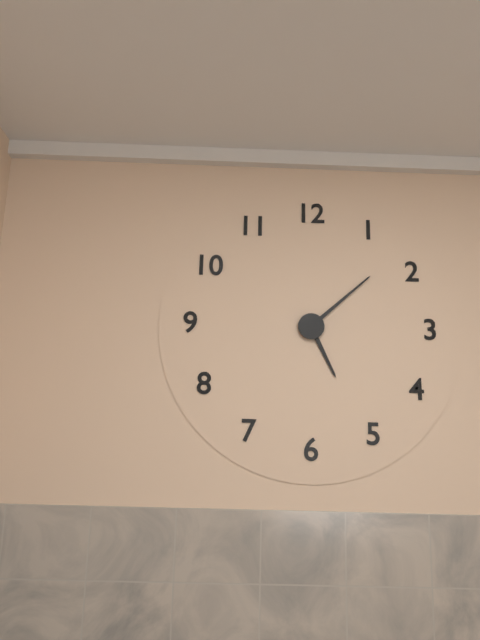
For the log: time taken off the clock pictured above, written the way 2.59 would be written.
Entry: 5.08
